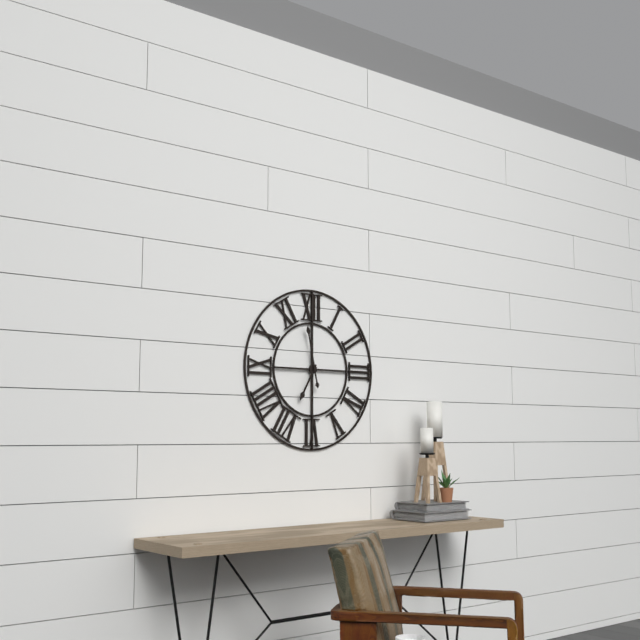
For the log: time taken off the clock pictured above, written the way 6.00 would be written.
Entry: 6.58
